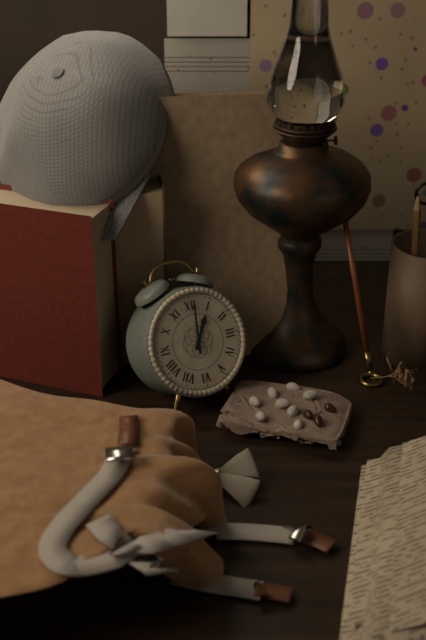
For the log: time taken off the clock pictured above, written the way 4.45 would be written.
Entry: 1.01
